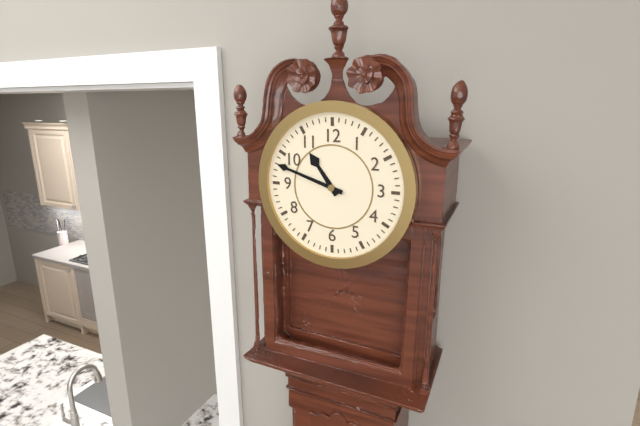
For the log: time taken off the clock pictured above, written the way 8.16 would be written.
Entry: 10.48
